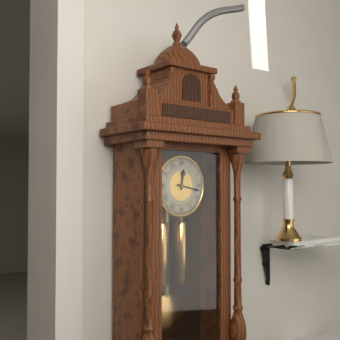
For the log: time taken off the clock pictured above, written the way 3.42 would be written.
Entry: 12.17
